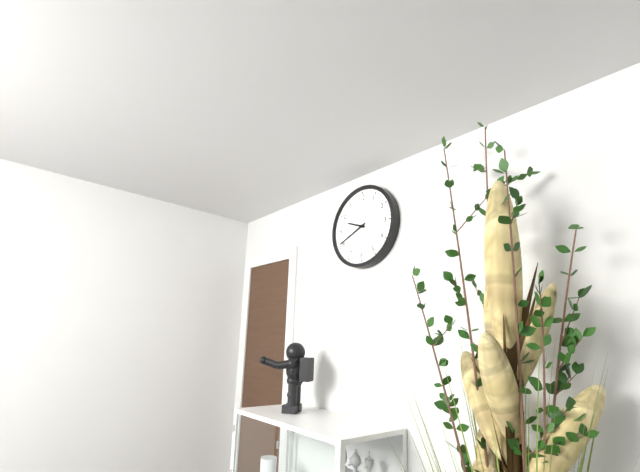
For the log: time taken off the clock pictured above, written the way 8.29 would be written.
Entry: 9.41
